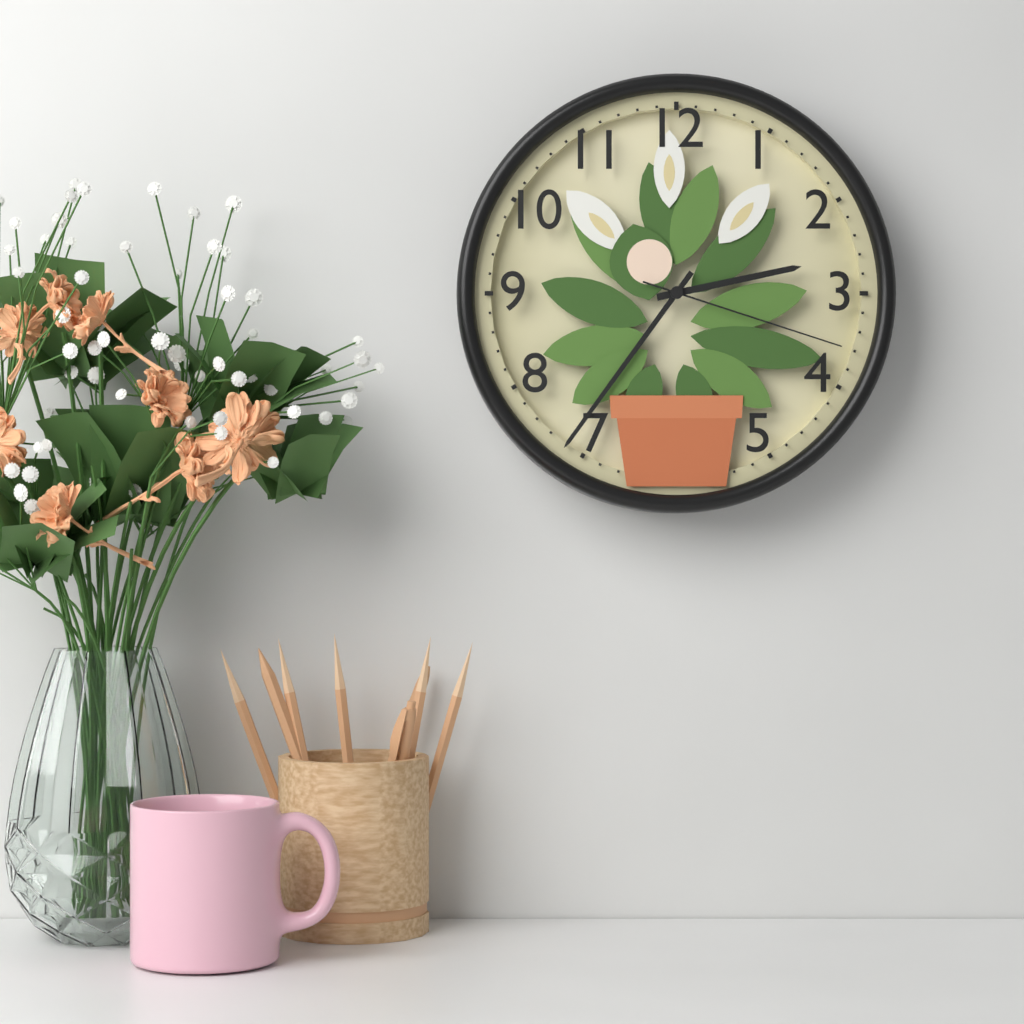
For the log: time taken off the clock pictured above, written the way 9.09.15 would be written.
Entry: 2.36.18
